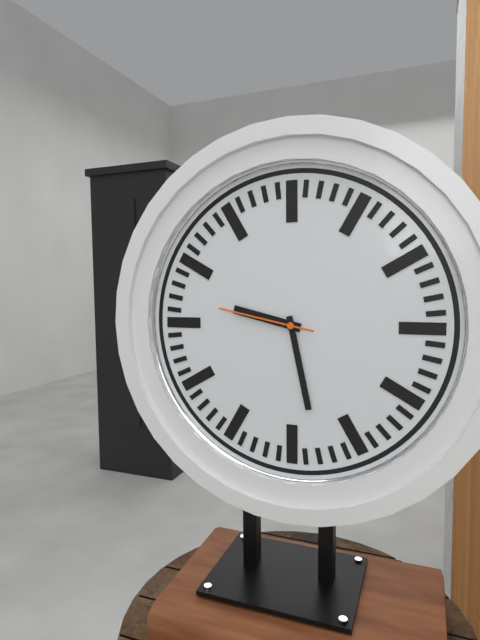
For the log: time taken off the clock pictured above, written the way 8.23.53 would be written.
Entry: 9.28.47
